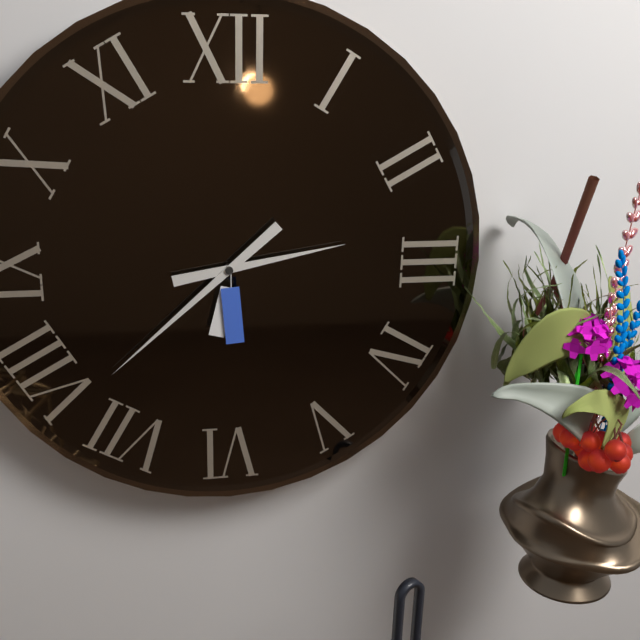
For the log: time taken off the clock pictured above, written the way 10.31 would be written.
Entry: 2.38
